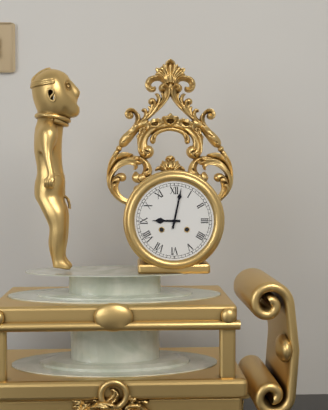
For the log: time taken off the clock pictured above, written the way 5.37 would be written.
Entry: 9.02
